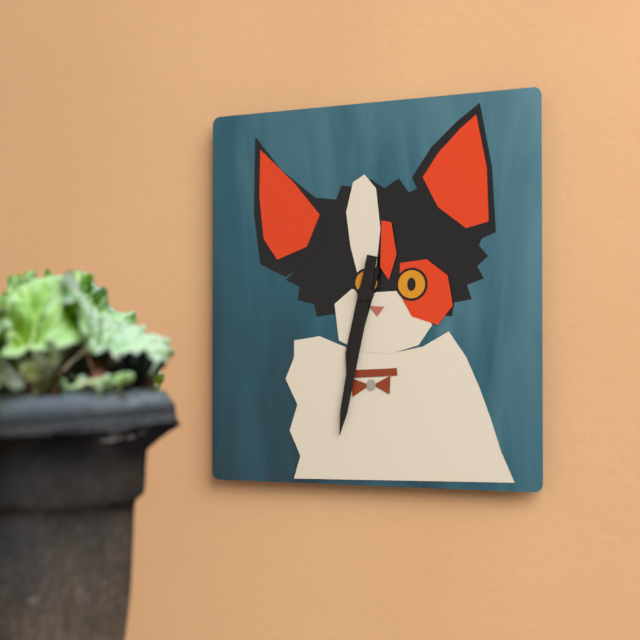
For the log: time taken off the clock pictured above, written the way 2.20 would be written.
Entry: 6.32
